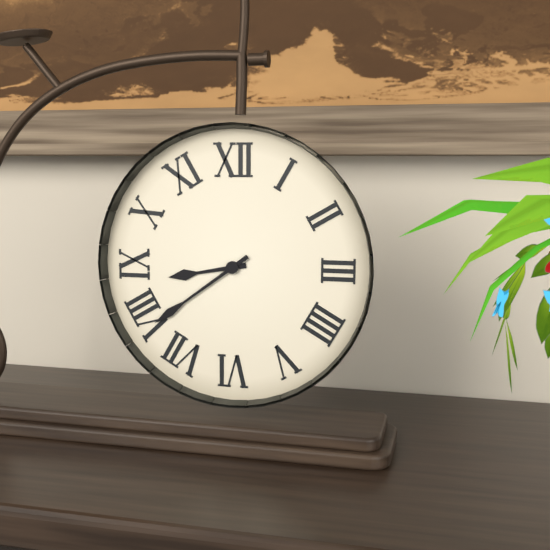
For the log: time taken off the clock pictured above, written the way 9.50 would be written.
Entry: 8.39
